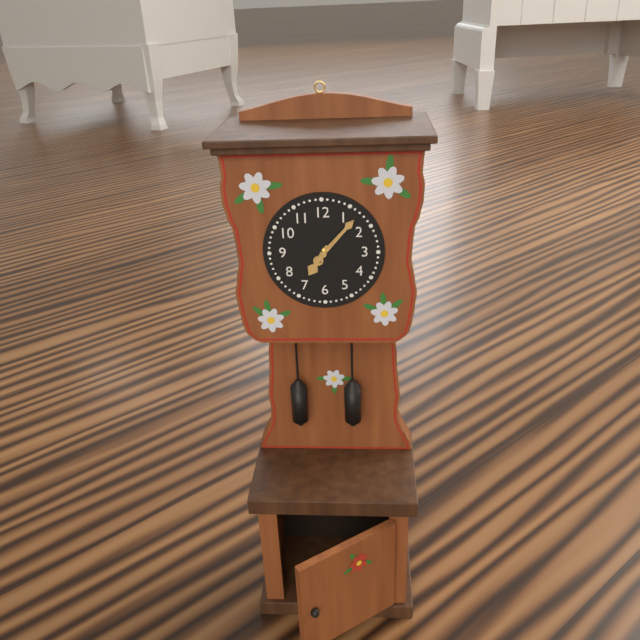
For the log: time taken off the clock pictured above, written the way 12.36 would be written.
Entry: 7.07
